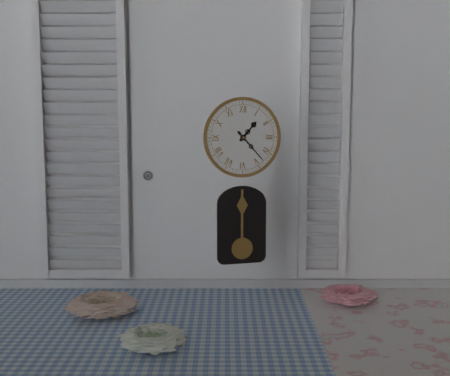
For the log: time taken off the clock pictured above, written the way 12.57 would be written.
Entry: 1.23
